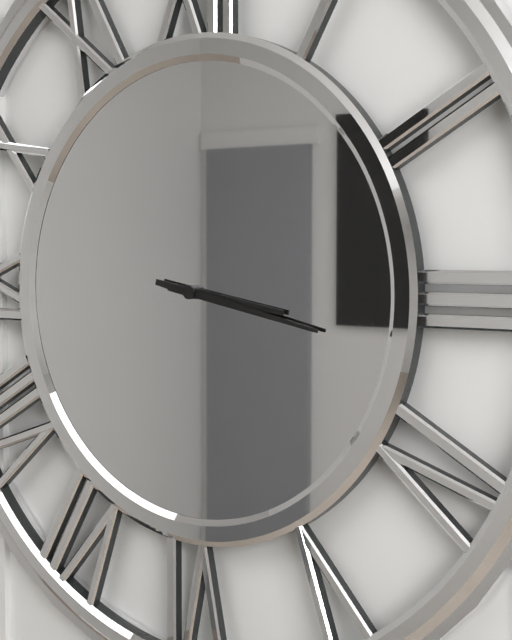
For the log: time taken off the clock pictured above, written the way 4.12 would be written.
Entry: 3.17
